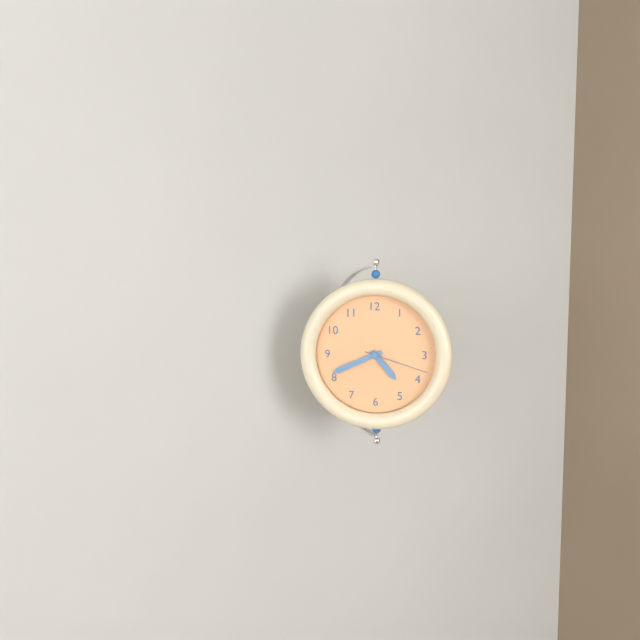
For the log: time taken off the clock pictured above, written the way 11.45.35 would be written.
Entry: 4.41.18
